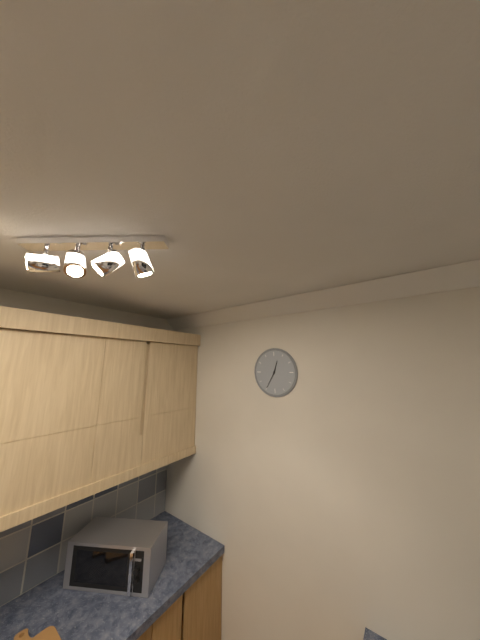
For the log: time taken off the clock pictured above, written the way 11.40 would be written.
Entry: 12.35
